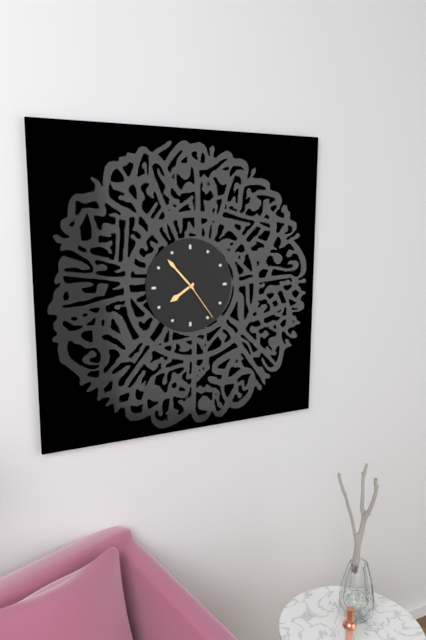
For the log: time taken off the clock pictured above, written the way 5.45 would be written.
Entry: 7.53
